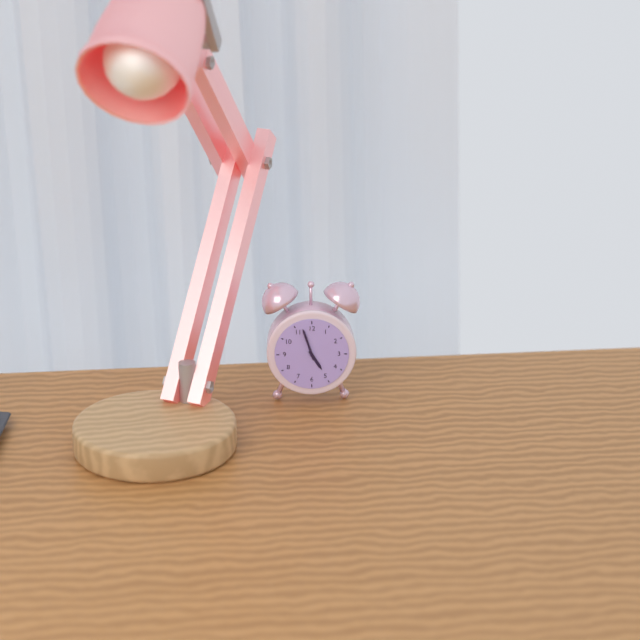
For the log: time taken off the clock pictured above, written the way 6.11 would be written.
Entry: 4.57
